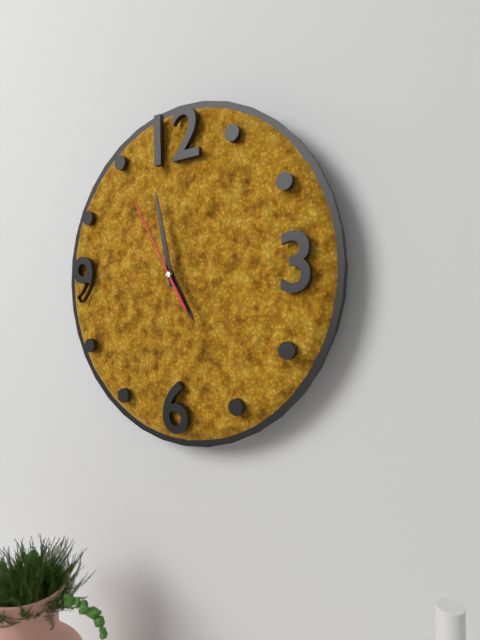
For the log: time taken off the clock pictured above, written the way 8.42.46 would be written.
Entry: 4.58.55
